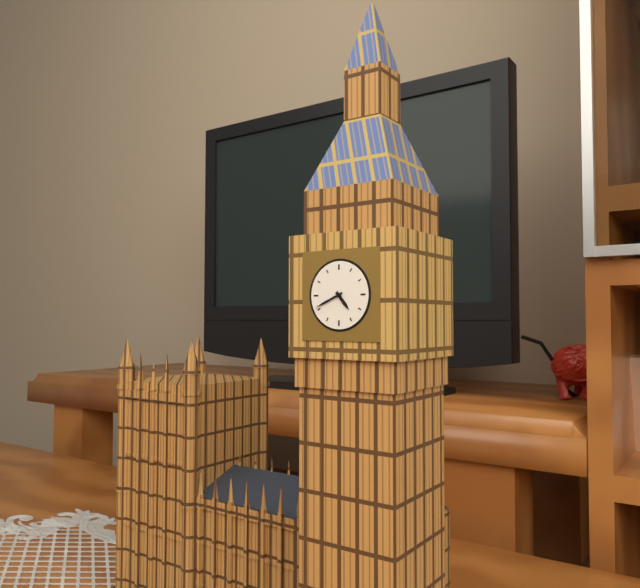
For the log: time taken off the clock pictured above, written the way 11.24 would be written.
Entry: 4.41
